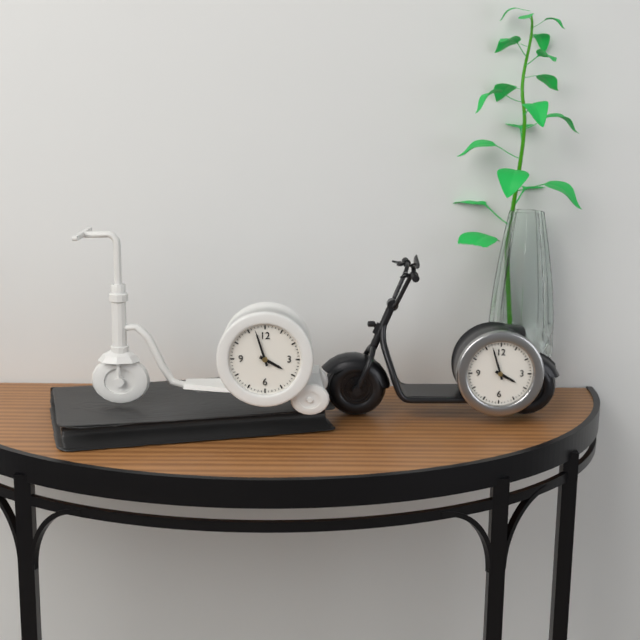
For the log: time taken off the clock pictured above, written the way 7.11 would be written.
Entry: 3.57
